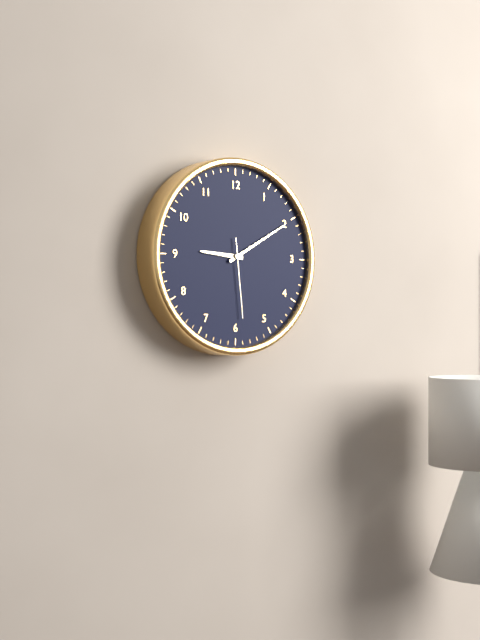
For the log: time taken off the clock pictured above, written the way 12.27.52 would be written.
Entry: 9.10.29
